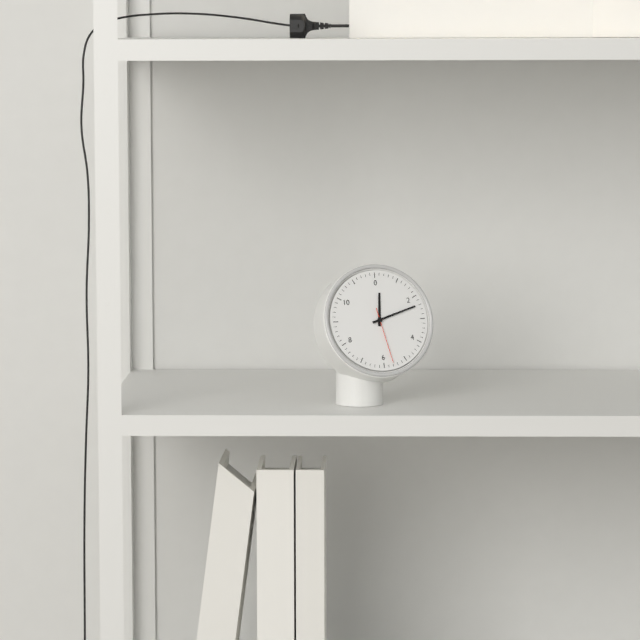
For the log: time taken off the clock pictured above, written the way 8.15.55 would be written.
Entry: 12.12.28
